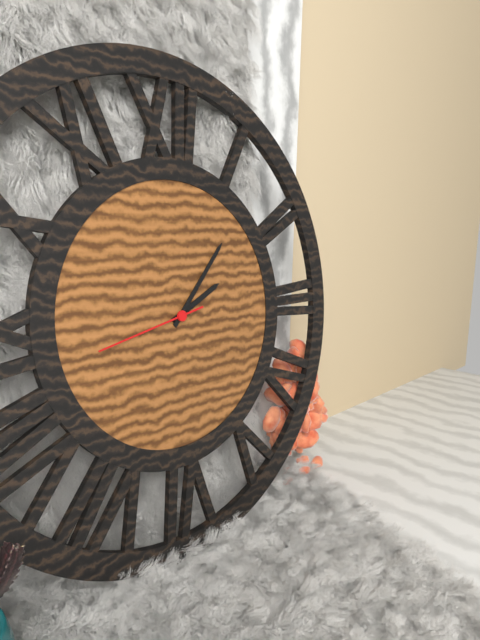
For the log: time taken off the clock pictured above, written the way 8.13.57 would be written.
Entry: 2.07.43
